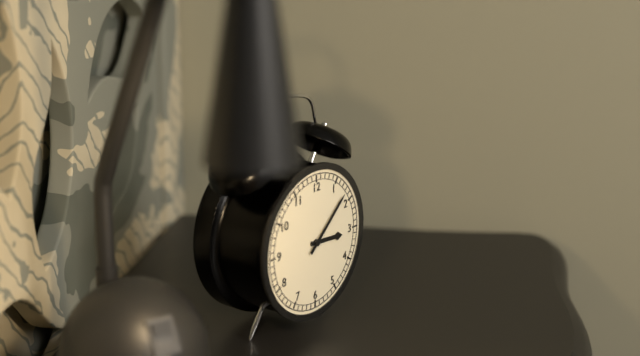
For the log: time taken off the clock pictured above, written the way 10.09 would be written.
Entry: 3.08
